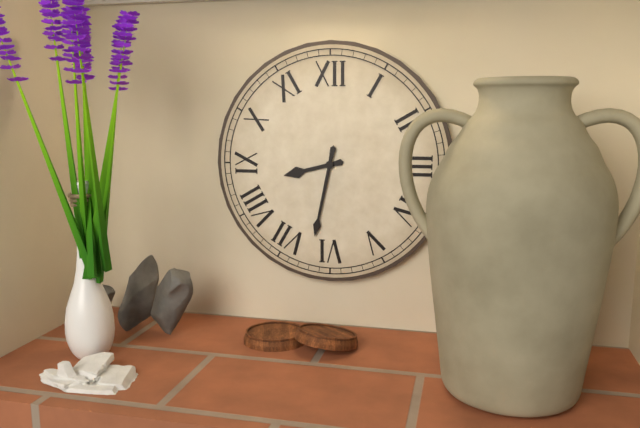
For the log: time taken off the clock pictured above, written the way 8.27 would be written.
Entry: 8.32
